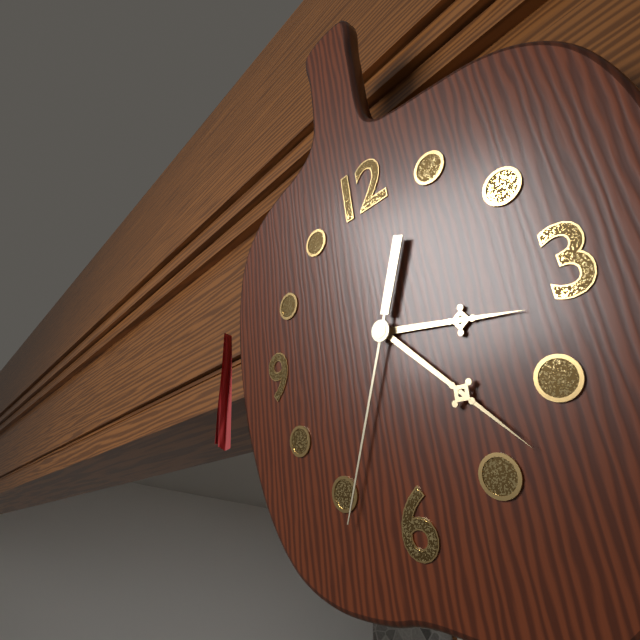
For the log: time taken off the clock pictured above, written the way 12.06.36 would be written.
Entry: 3.23.34
